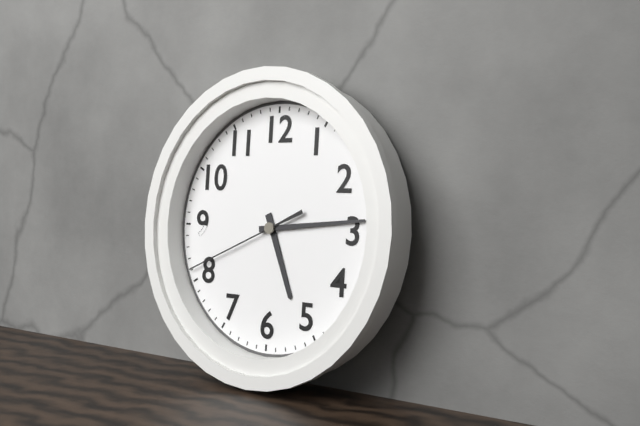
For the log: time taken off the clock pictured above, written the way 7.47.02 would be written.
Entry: 5.14.41
